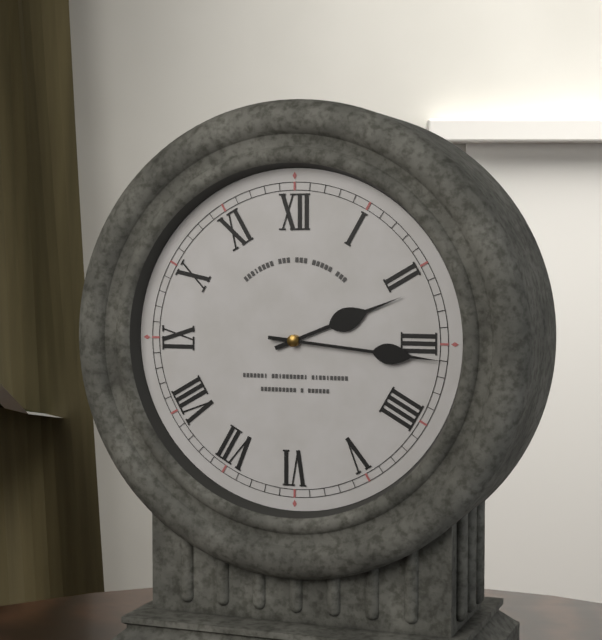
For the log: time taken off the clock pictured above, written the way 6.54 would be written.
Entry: 2.16
